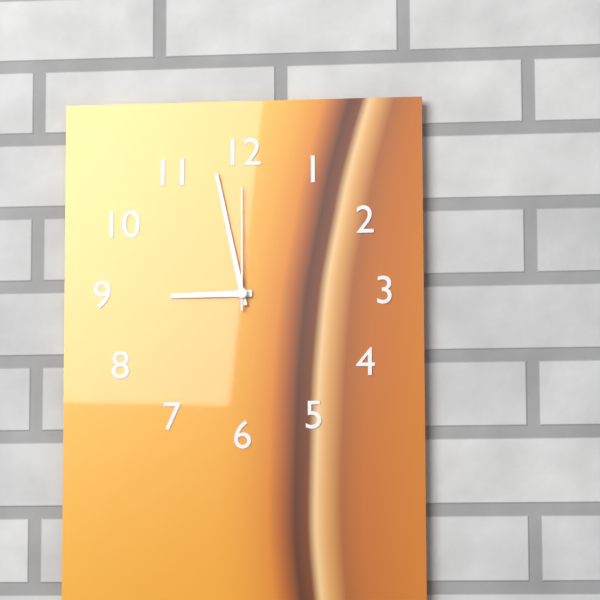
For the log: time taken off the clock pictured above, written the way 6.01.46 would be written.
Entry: 8.58.00
